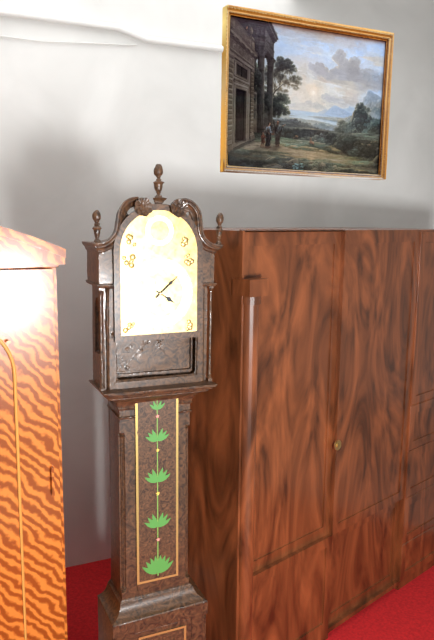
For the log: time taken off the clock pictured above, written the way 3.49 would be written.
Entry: 4.08
